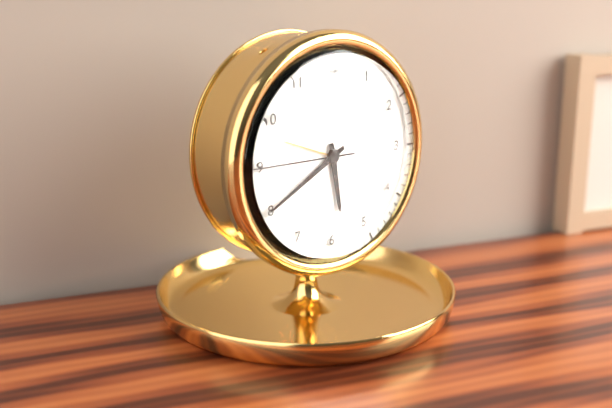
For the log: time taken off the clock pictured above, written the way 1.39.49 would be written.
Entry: 5.40.45
